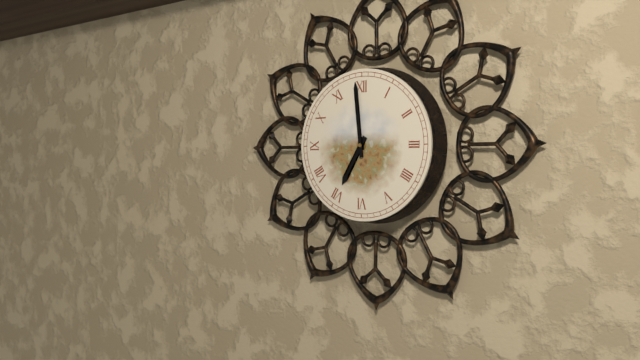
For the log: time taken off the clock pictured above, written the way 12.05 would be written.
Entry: 6.59
